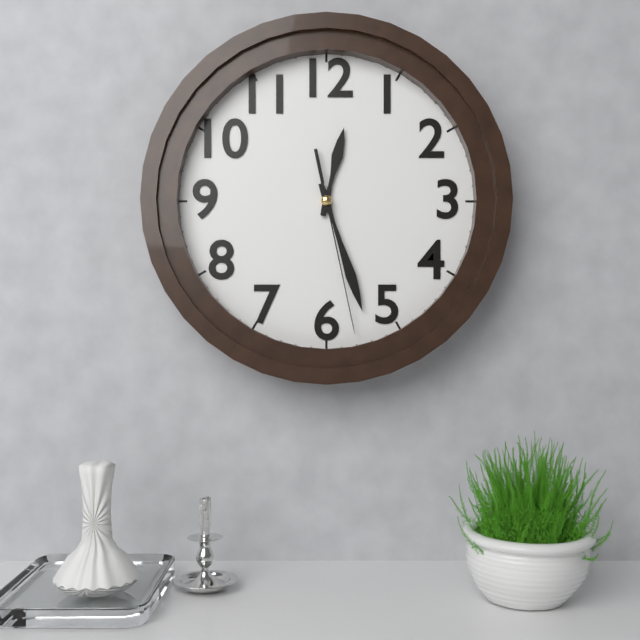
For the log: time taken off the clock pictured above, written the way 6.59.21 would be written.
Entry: 12.27.28
